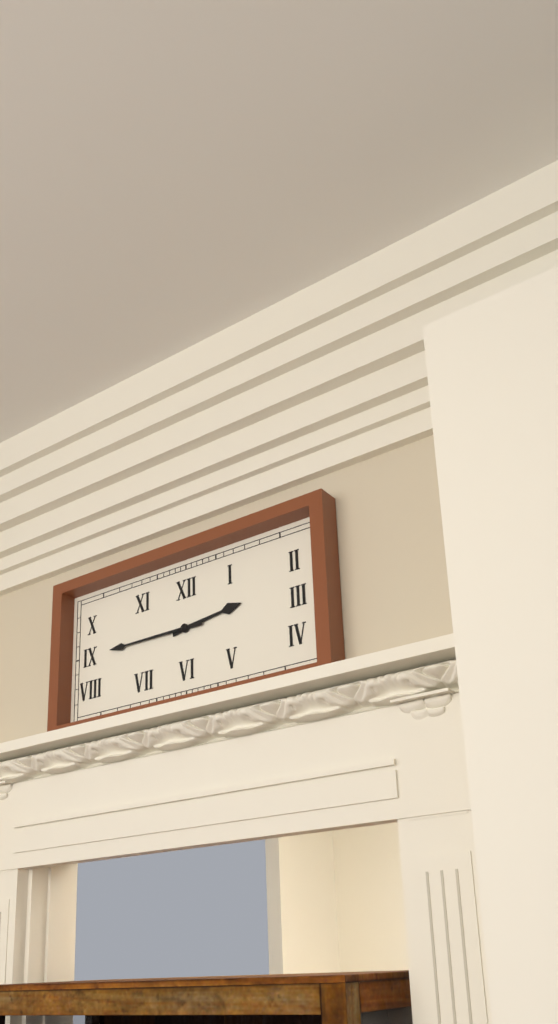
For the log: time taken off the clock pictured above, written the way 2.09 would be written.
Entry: 2.45
